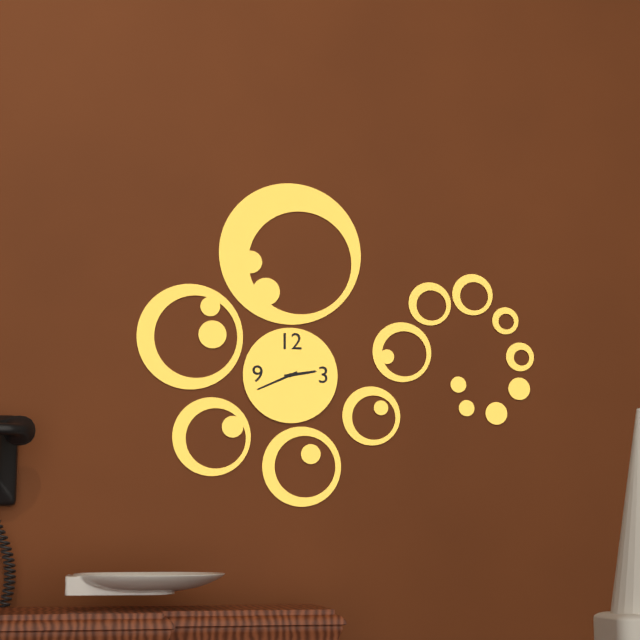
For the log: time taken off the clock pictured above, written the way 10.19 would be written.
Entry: 2.41
